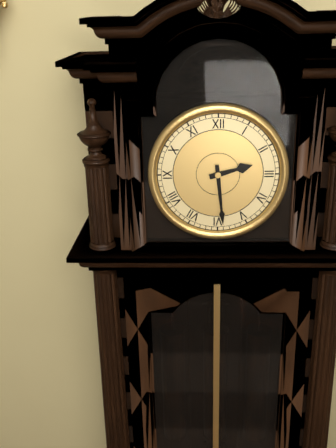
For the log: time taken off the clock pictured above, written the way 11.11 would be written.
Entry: 2.29
